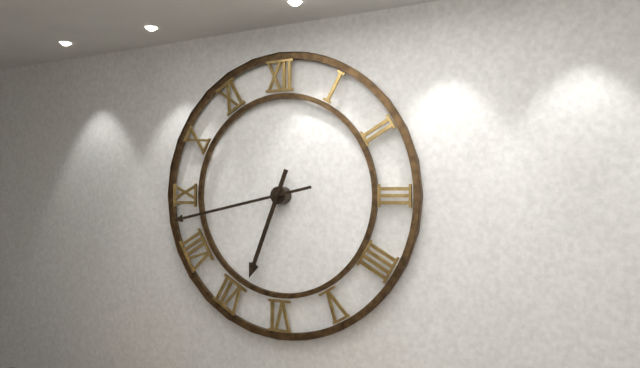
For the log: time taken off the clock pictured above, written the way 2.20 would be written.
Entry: 6.43
